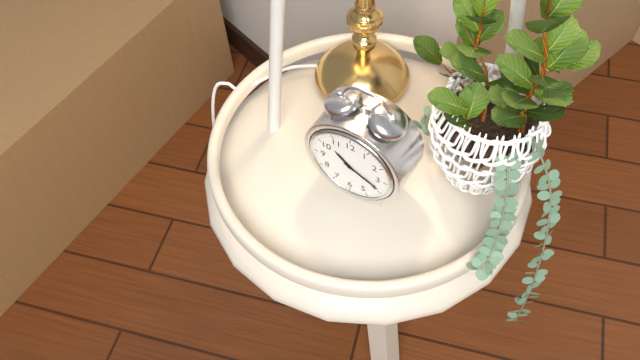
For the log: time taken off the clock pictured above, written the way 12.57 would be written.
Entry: 10.19
